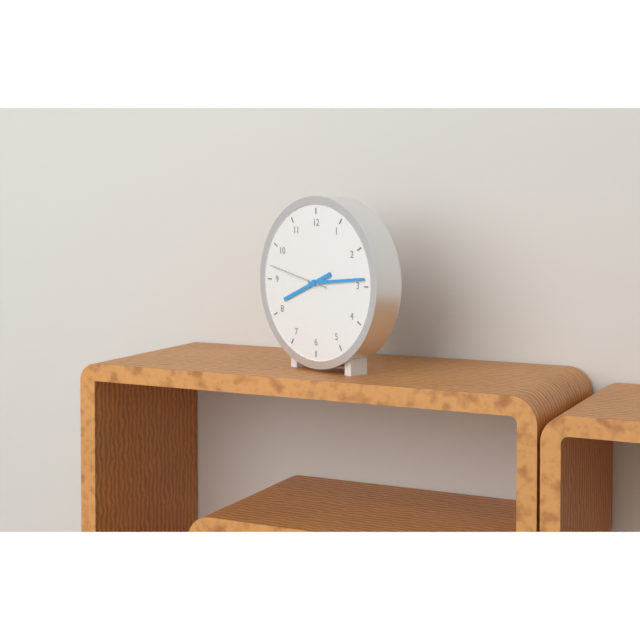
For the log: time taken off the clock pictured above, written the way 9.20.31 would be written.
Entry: 8.14.47
